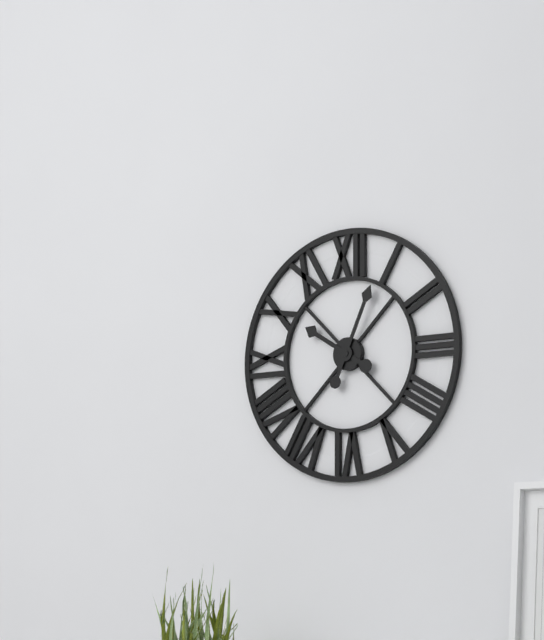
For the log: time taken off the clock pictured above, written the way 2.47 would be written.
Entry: 10.04
